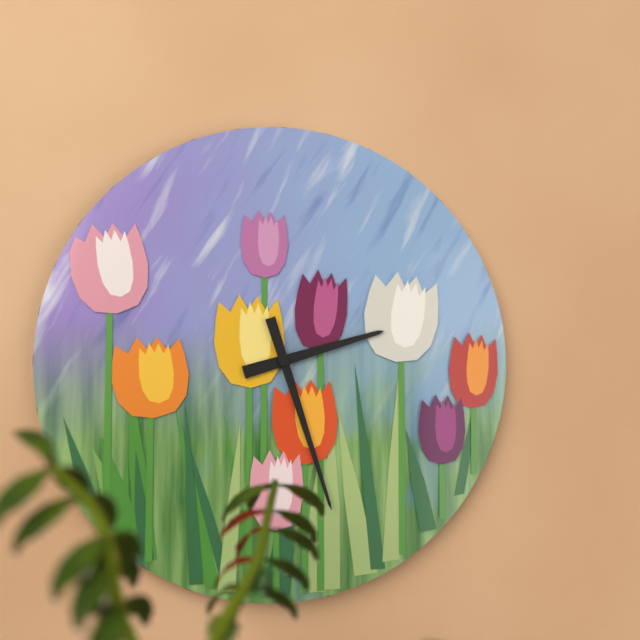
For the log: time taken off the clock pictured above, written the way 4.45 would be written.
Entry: 2.27
